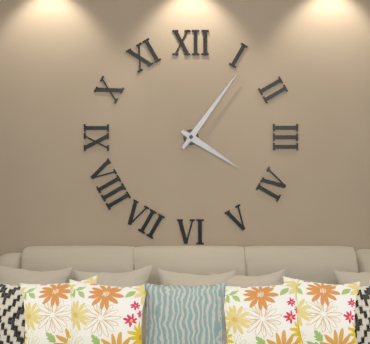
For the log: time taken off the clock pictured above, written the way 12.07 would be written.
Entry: 4.06
